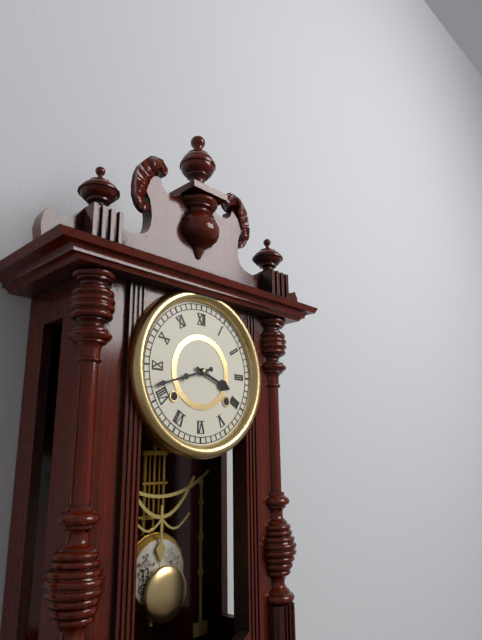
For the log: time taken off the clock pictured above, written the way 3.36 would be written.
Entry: 3.42
